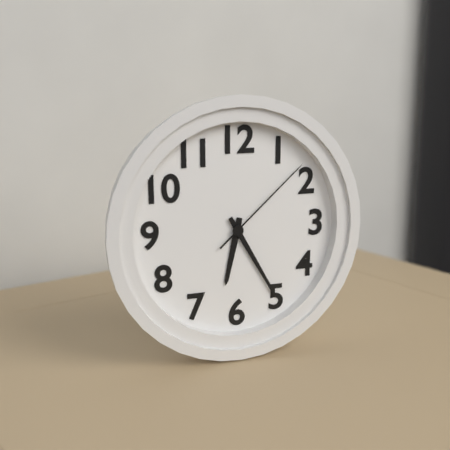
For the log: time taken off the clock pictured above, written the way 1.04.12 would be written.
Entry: 6.25.08
